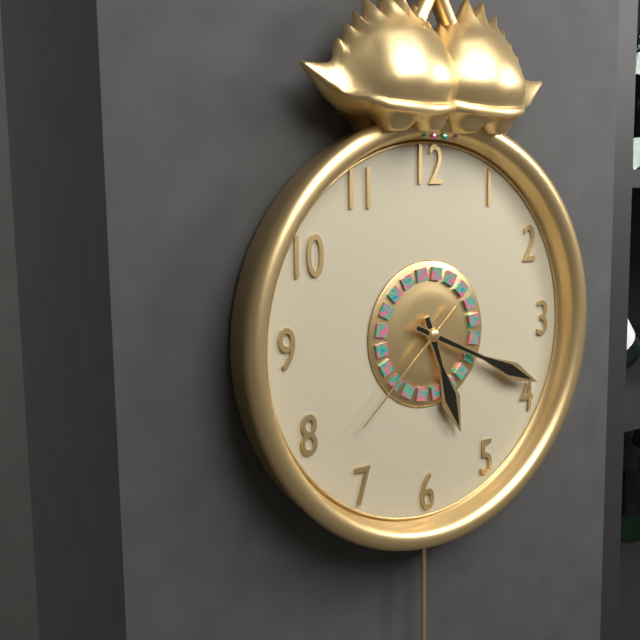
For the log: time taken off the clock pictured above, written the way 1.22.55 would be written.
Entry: 5.19.38
